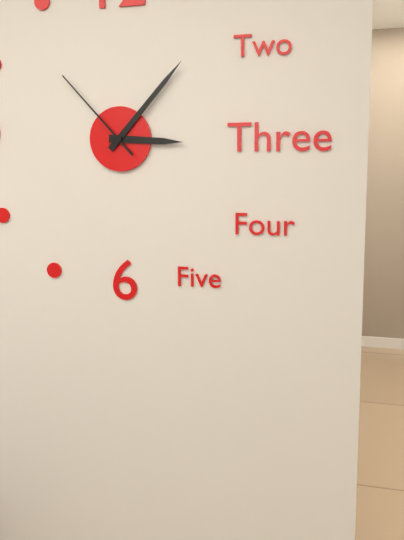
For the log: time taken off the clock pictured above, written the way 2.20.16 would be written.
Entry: 3.07.53
